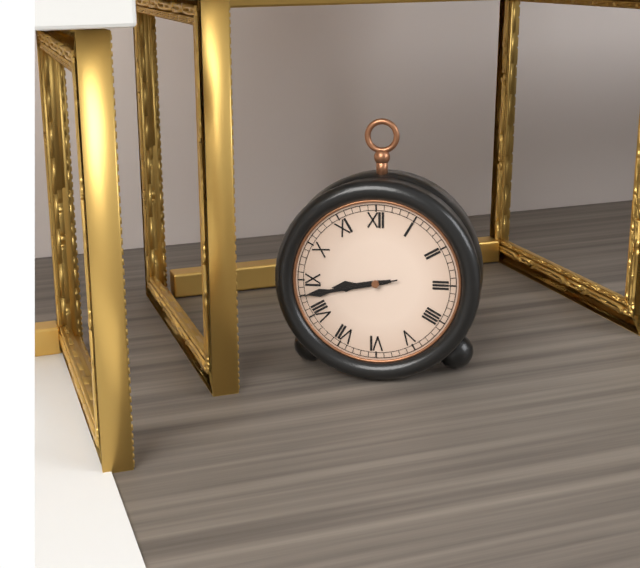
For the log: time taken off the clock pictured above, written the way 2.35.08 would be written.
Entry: 8.43.43
